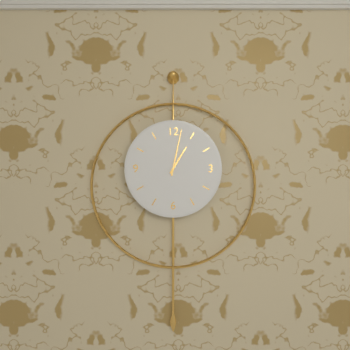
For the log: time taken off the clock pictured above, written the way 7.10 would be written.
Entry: 1.02
